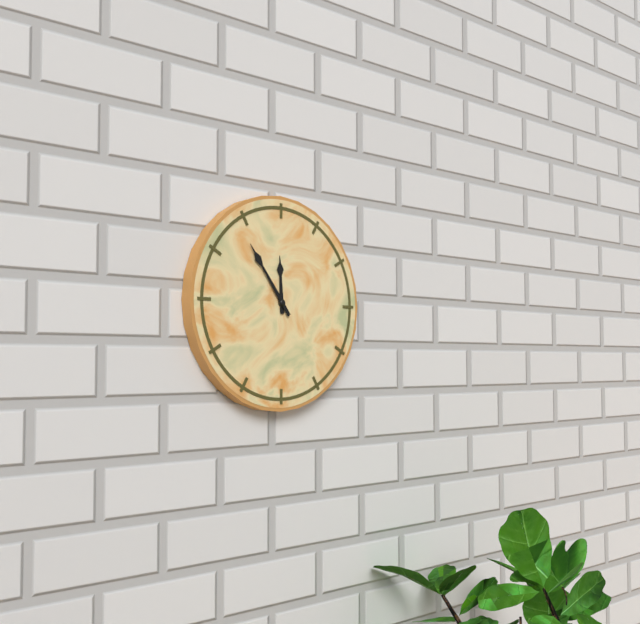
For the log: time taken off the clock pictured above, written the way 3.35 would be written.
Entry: 11.54
